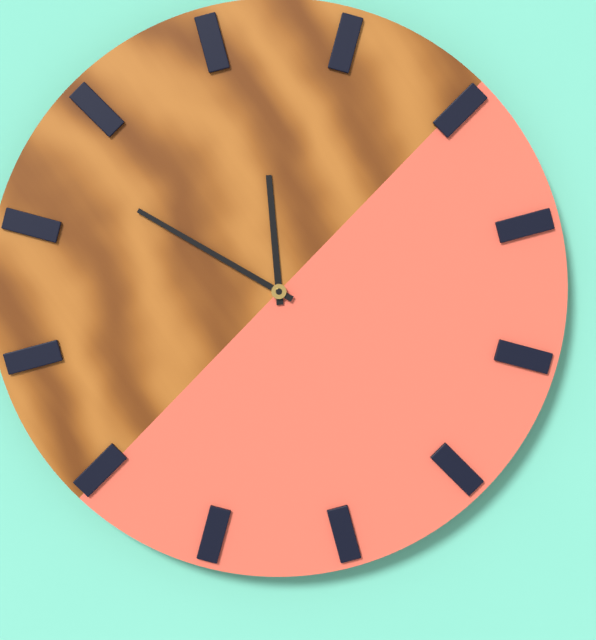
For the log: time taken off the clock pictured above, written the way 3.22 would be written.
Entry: 11.50
